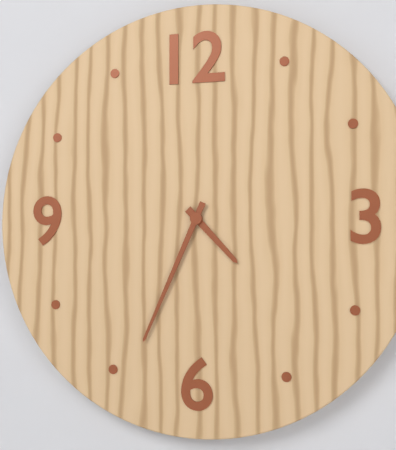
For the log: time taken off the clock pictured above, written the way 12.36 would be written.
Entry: 4.34
